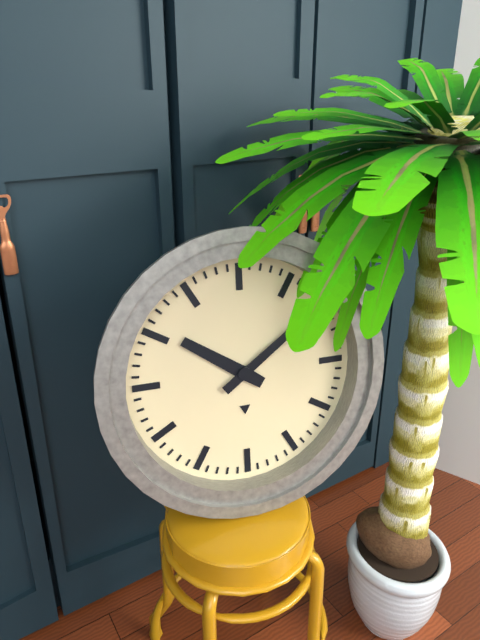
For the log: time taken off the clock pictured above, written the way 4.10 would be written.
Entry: 10.09
